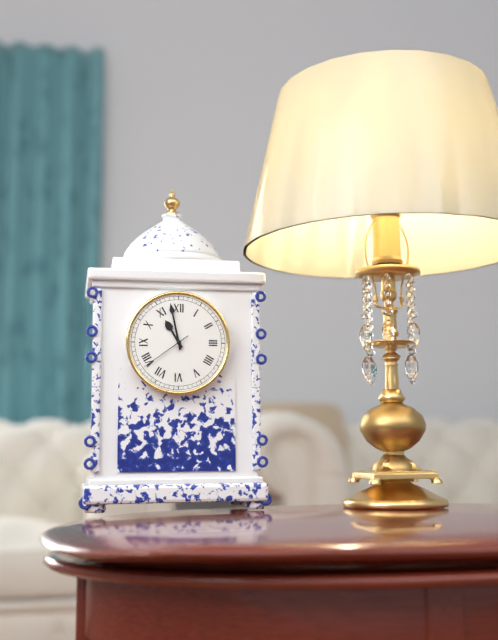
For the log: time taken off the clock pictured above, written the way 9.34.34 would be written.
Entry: 10.58.39
